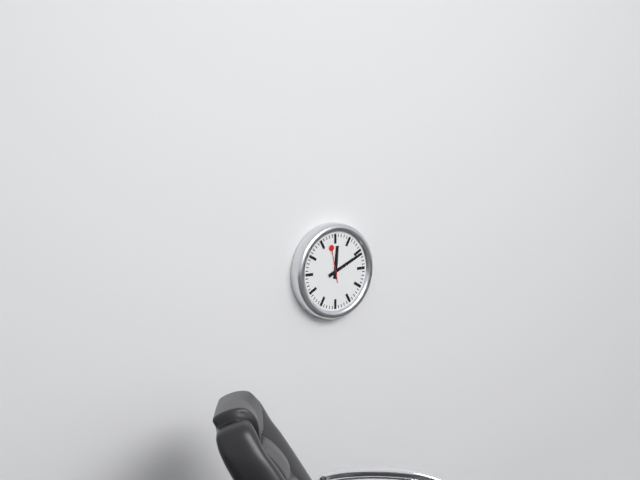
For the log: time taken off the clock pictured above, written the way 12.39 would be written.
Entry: 12.11
